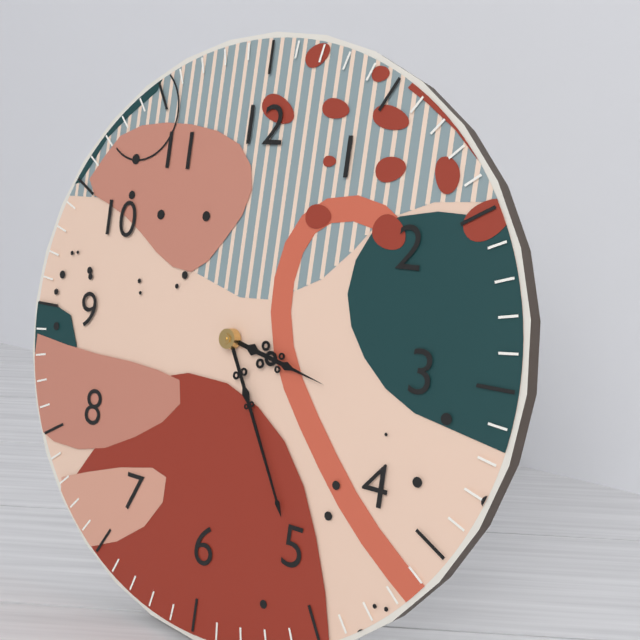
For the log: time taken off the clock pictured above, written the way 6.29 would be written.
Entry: 3.25
